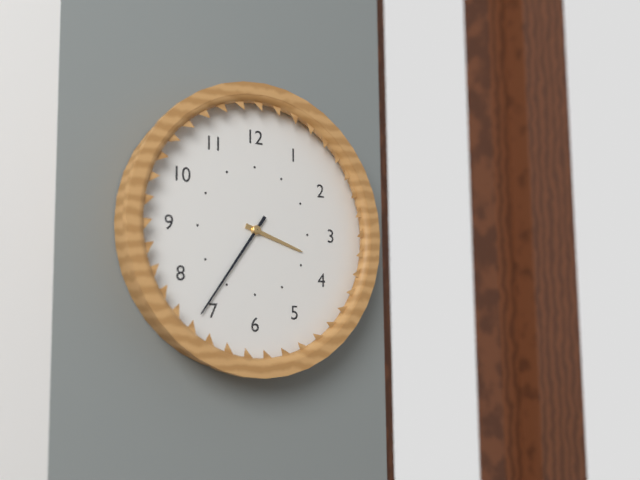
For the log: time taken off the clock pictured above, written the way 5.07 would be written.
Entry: 3.36
